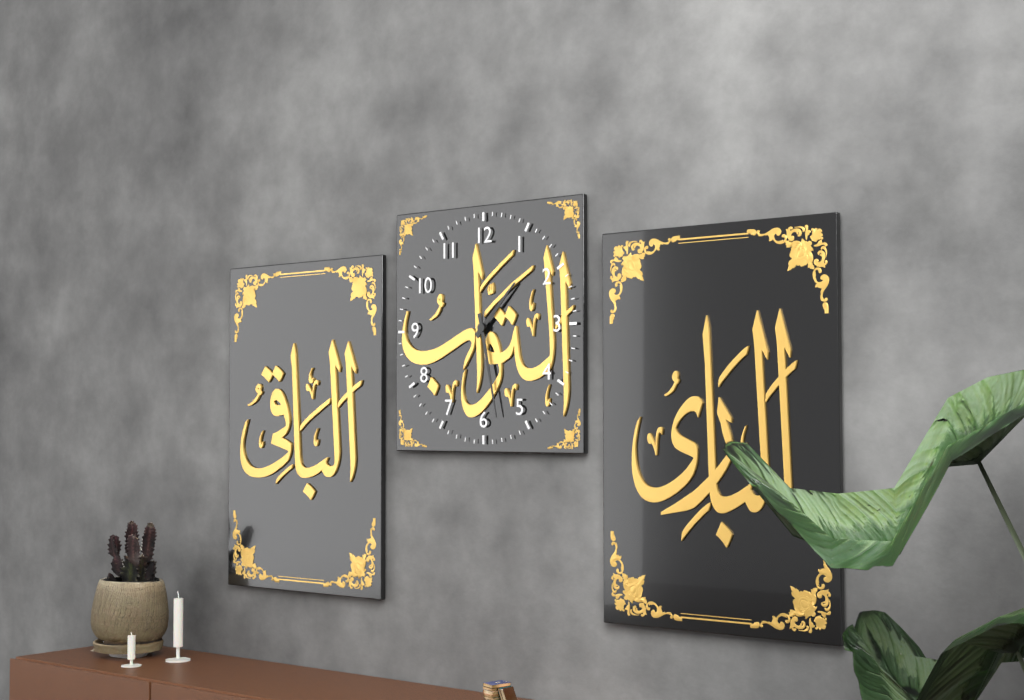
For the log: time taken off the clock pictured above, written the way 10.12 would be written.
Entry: 1.28
